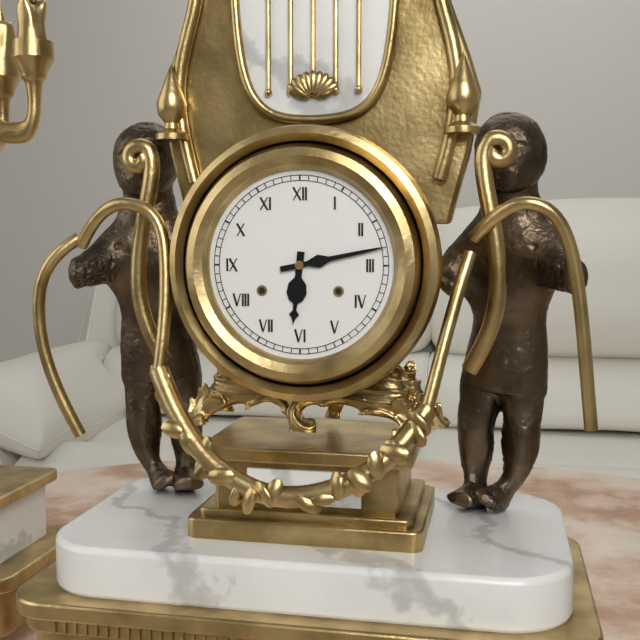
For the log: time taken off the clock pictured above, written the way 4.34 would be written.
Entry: 6.13
